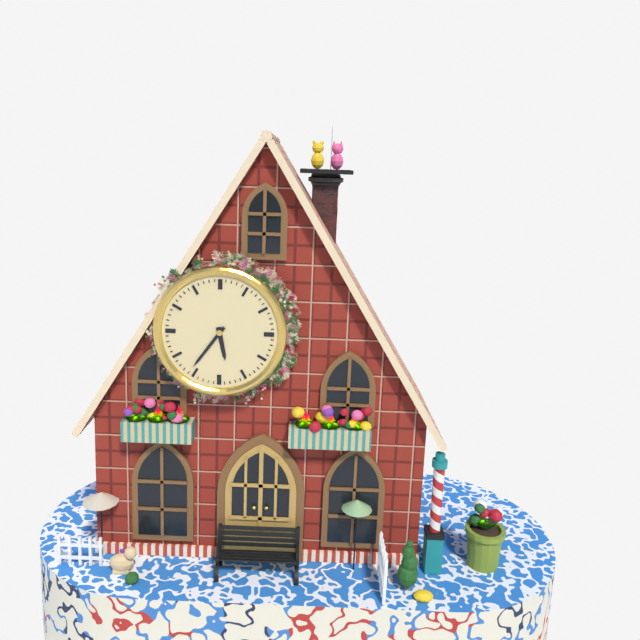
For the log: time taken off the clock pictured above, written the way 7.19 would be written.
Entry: 5.36
